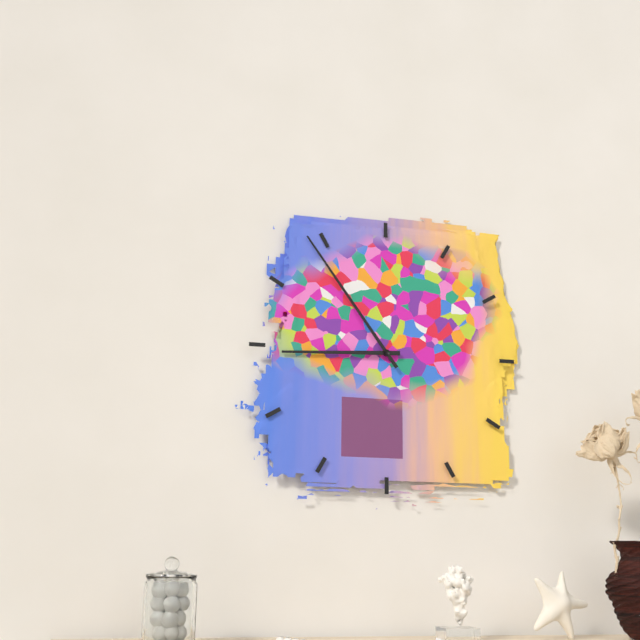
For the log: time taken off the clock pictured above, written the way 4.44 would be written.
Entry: 8.54
